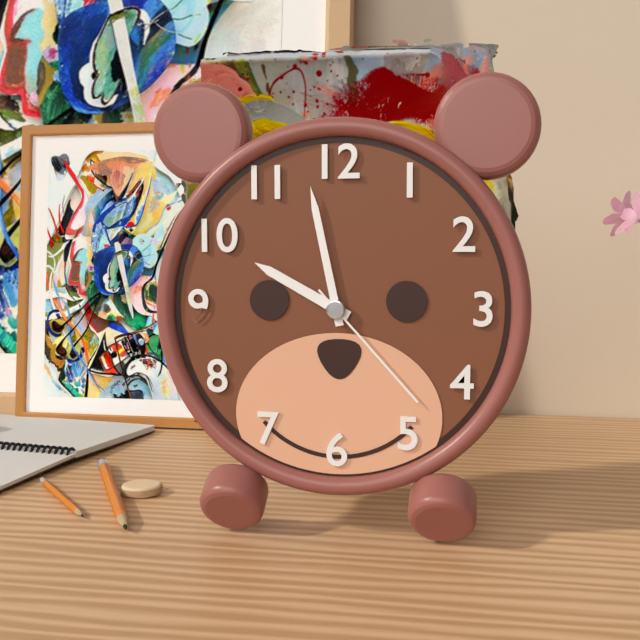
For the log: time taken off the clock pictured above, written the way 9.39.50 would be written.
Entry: 9.58.23
